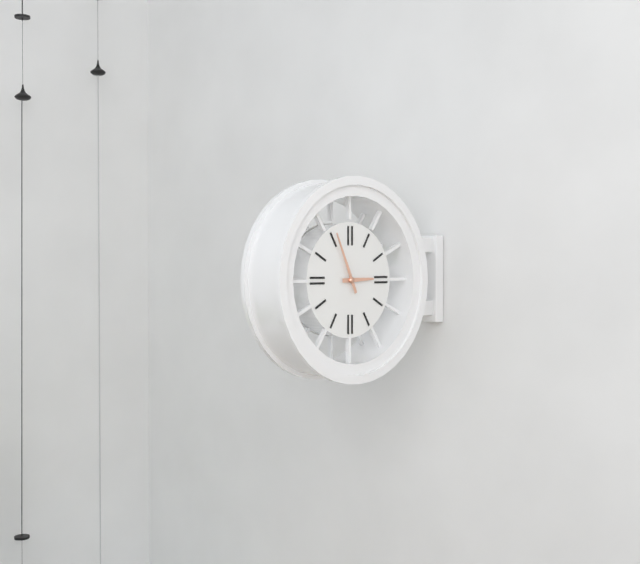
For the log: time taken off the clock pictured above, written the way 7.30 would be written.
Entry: 2.56
